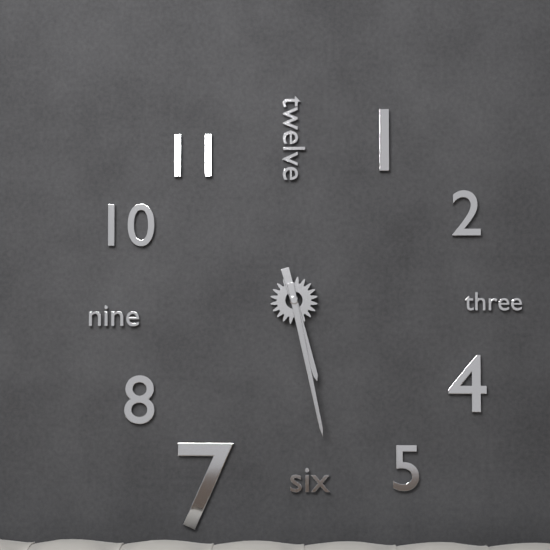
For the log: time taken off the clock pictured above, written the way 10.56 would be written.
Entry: 5.28
